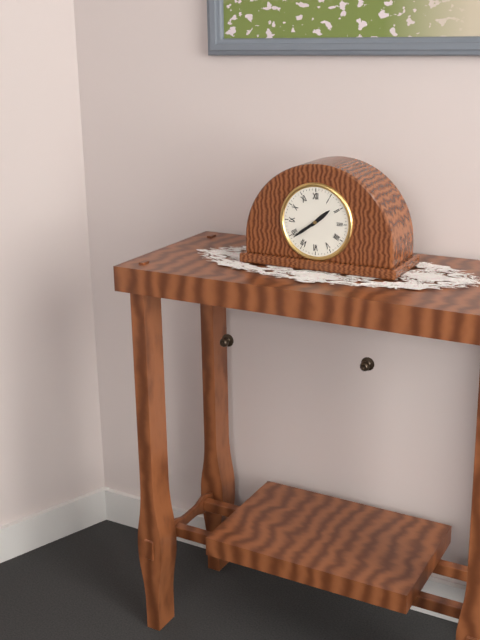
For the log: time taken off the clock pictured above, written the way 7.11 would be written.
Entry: 1.39
